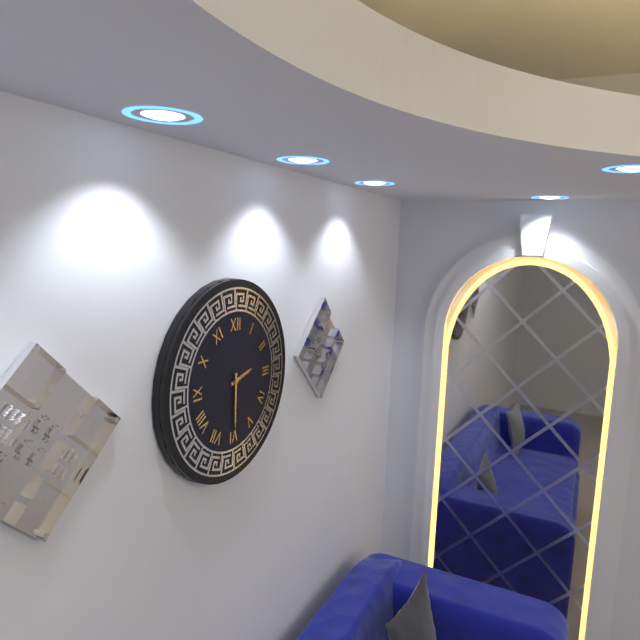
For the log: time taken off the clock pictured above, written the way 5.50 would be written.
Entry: 2.30
